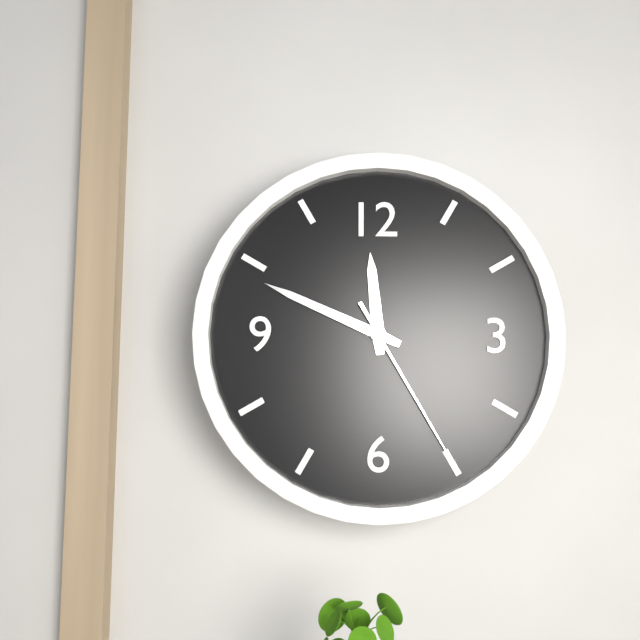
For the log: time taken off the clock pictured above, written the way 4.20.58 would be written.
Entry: 11.49.25
